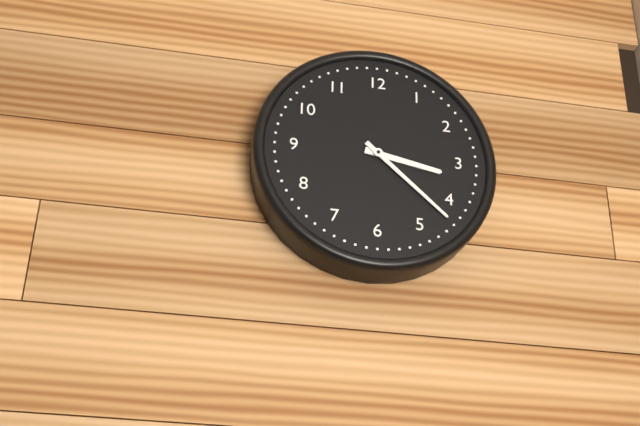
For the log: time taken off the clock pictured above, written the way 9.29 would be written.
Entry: 3.22
